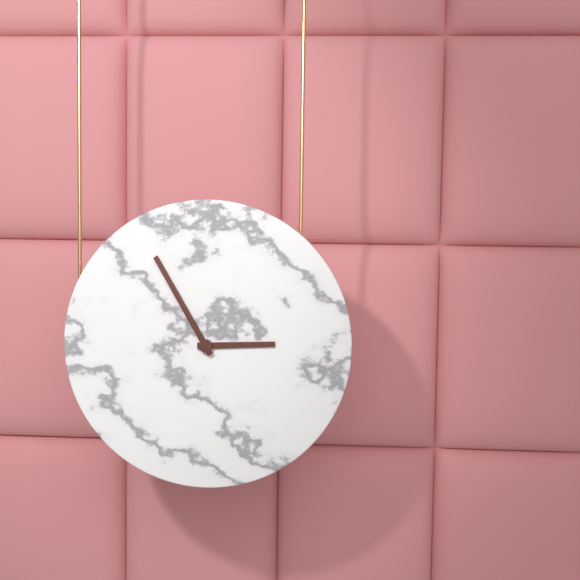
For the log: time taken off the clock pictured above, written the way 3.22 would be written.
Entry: 2.55
